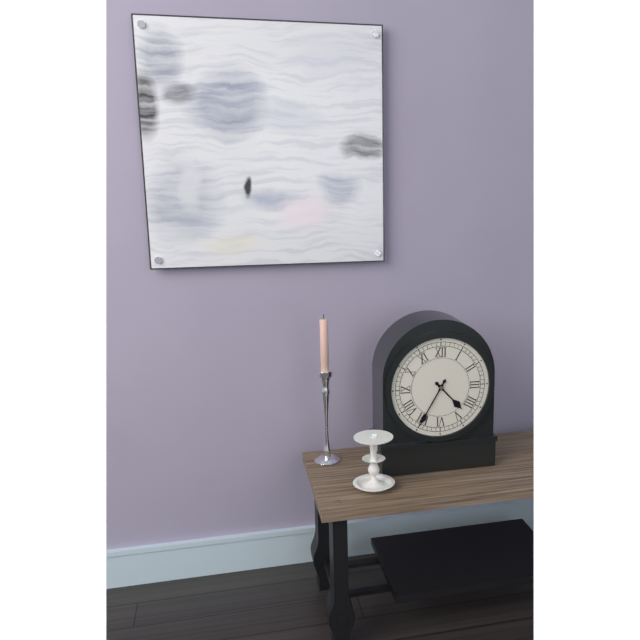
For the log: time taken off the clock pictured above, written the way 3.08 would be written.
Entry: 4.35
